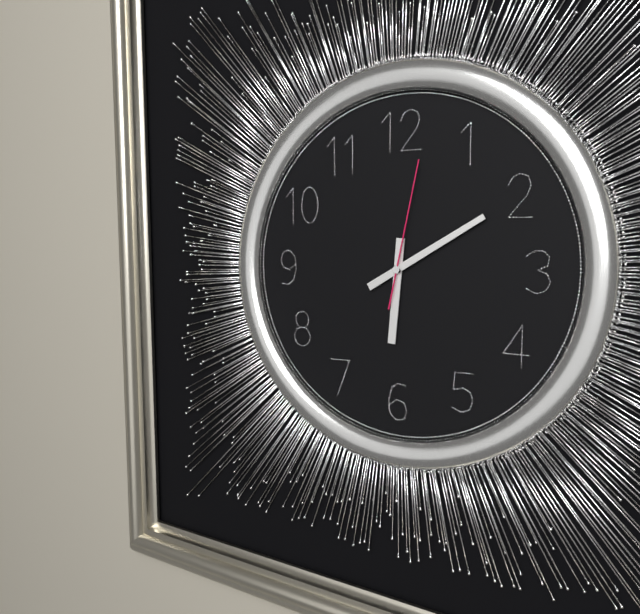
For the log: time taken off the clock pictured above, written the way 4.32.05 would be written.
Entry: 6.10.02
